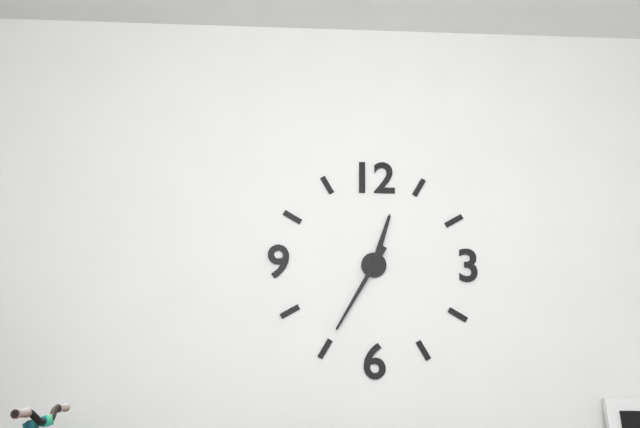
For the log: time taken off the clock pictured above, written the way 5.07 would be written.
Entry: 12.35
